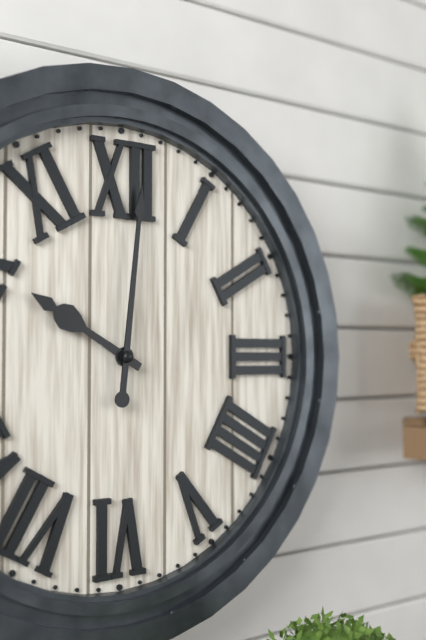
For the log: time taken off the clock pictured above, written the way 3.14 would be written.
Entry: 10.01
